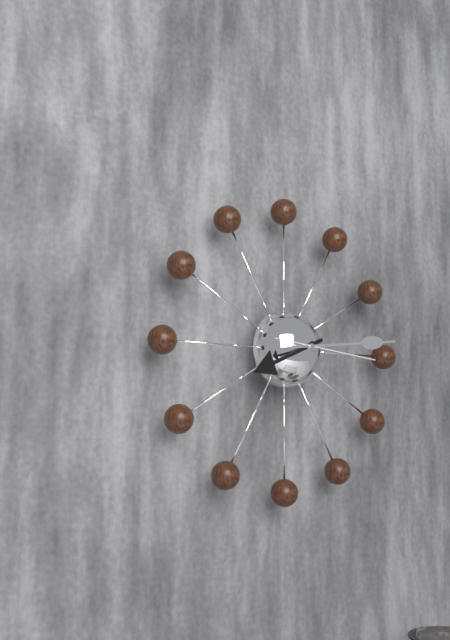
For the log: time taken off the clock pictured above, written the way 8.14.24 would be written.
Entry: 8.14.16
